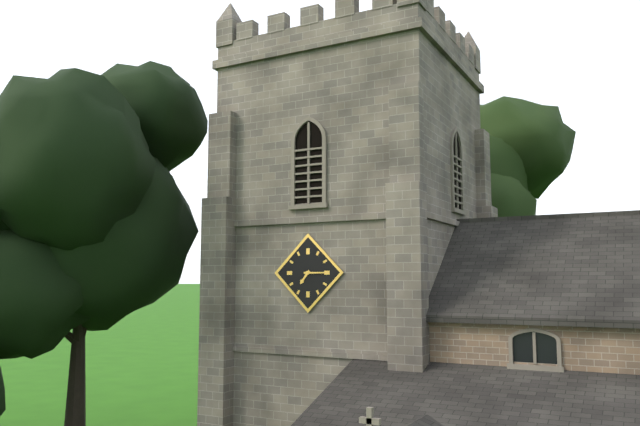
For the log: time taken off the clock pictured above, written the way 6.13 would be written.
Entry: 7.15
